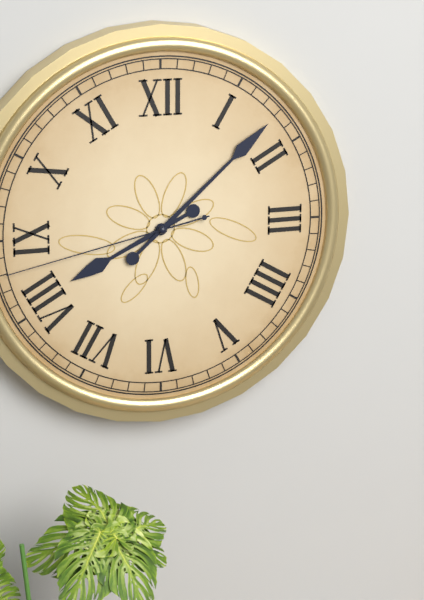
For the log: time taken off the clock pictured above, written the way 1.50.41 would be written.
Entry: 8.08.43
